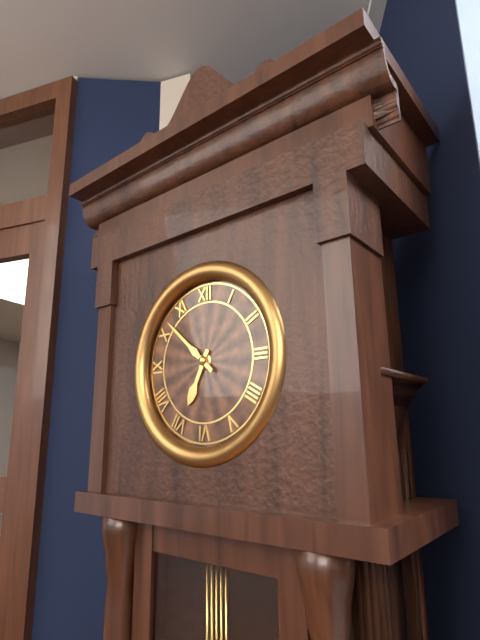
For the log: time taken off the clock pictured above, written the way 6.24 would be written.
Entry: 6.52
